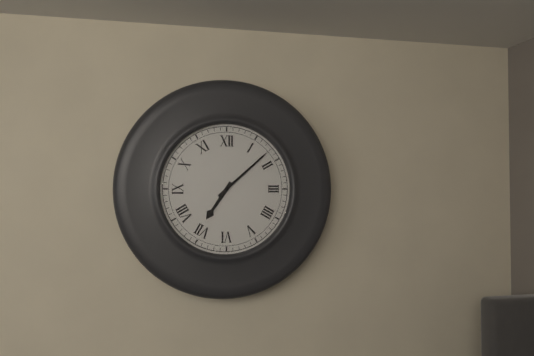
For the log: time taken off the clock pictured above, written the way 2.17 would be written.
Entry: 7.08
